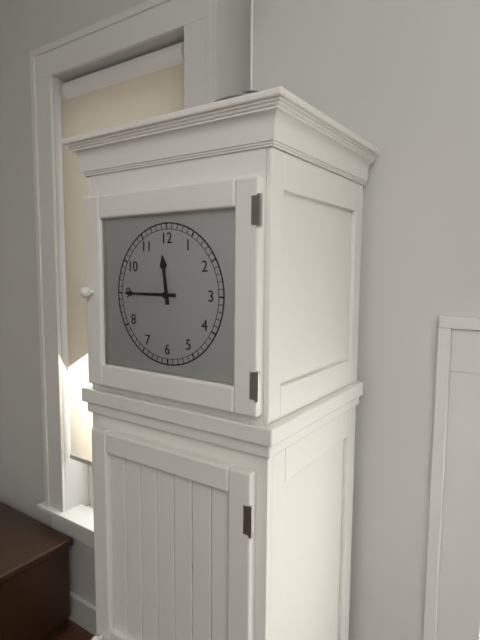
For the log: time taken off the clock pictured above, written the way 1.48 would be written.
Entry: 11.45
